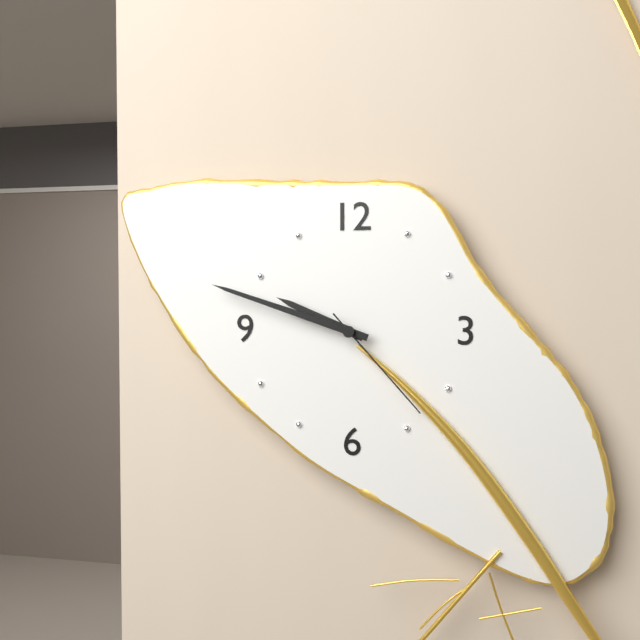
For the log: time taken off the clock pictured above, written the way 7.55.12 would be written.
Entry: 9.48.23
